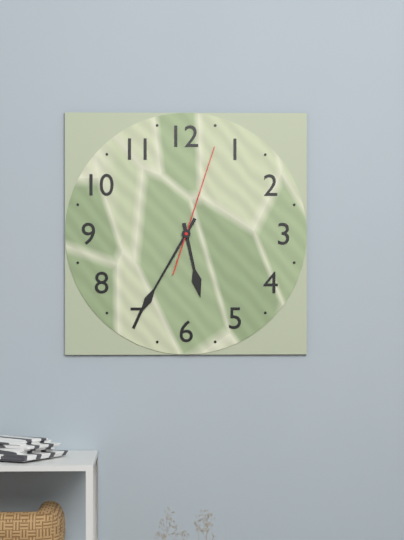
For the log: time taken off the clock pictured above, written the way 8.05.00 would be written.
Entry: 5.35.03
